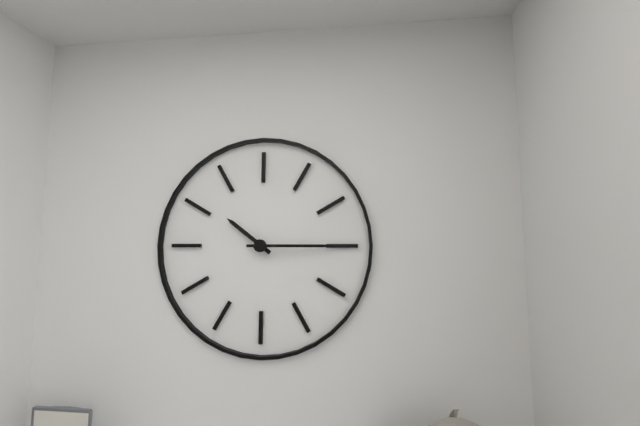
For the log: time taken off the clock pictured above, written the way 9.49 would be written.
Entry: 10.15
